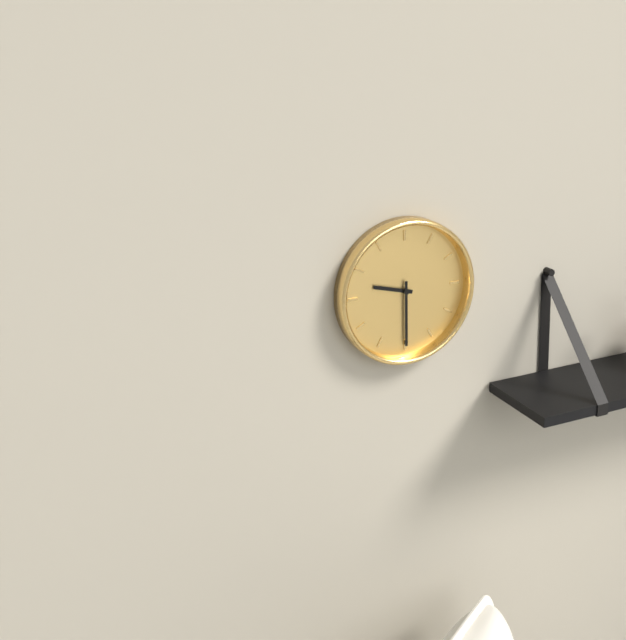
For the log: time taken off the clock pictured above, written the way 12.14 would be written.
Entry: 9.30
